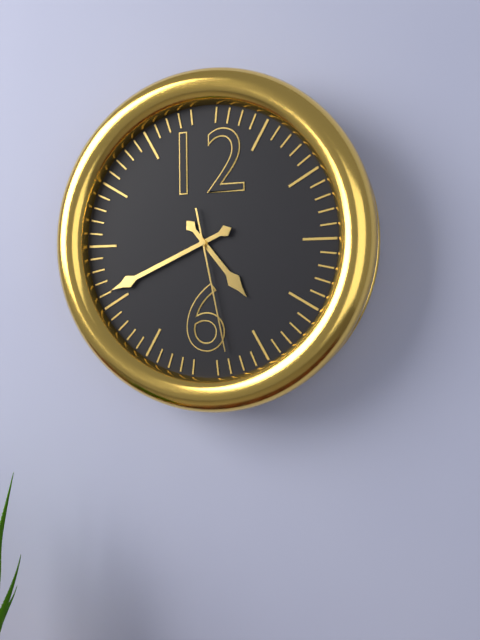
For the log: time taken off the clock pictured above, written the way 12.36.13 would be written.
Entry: 4.41.28
